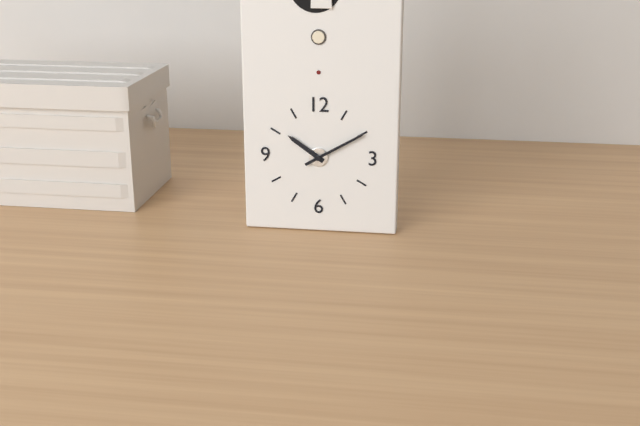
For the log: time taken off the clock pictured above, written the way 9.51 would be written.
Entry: 10.10
